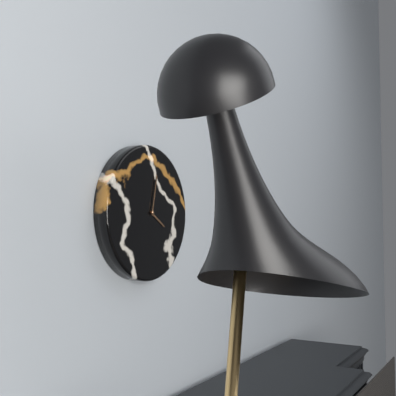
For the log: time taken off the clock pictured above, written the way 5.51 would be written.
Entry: 4.02
